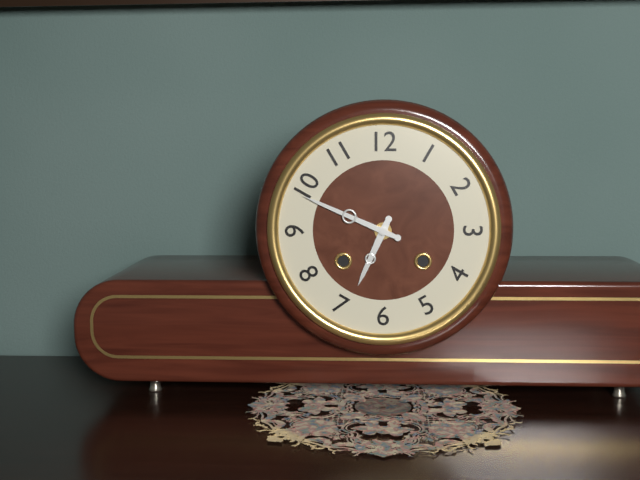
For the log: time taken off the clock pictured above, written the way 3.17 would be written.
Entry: 6.49
